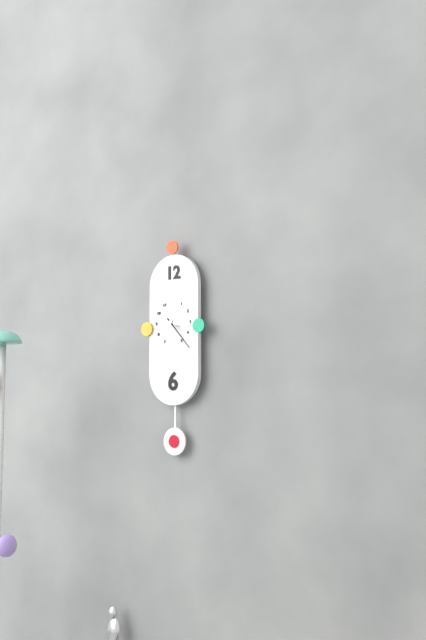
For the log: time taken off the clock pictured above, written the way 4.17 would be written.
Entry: 3.23
